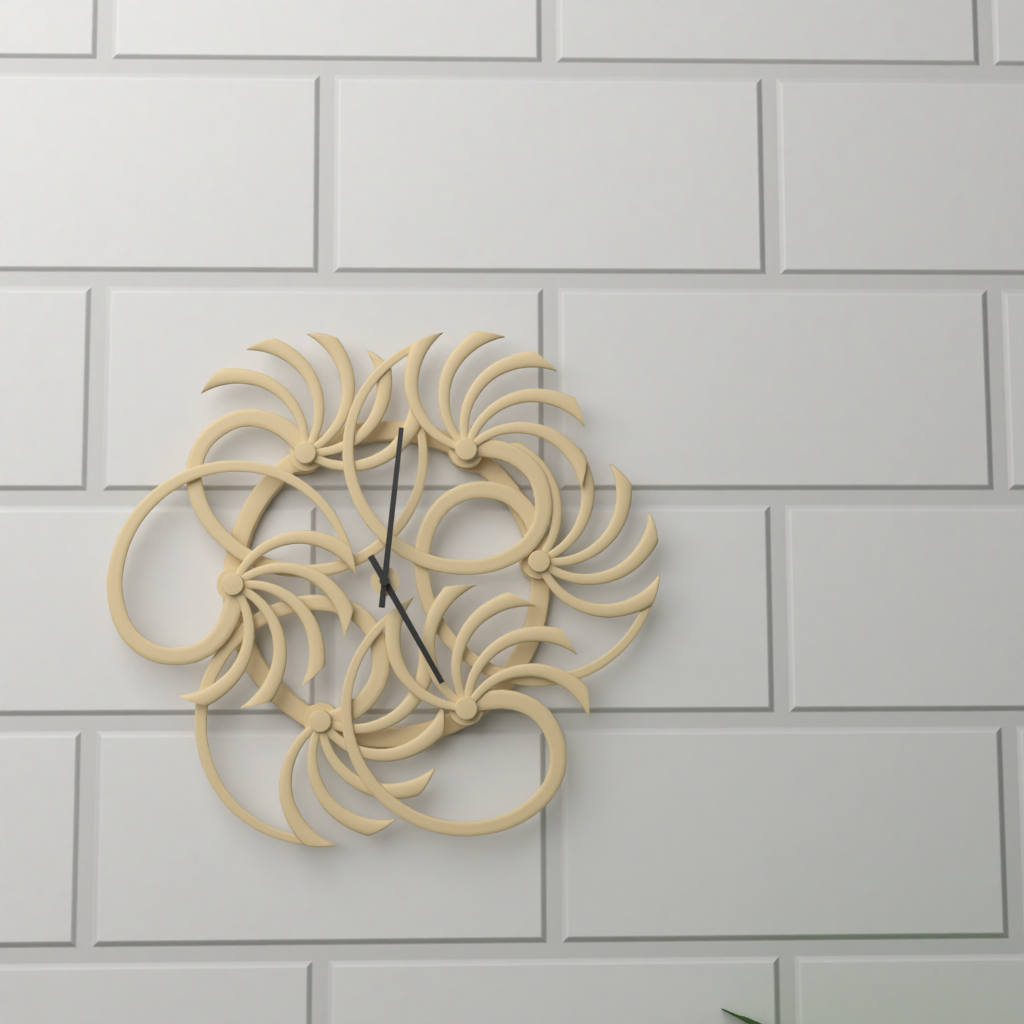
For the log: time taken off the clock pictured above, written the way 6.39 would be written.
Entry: 5.01
